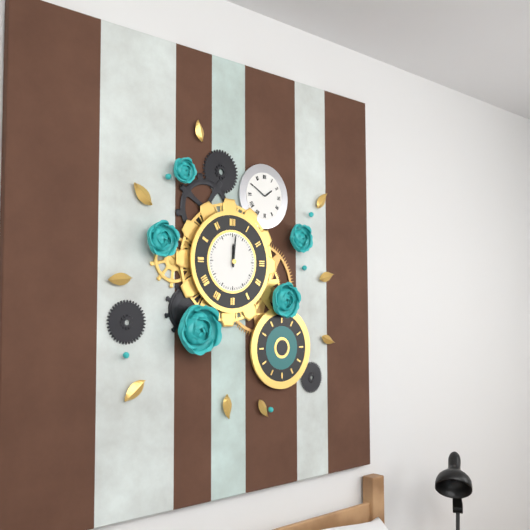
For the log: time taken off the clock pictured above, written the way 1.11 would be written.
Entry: 12.01
